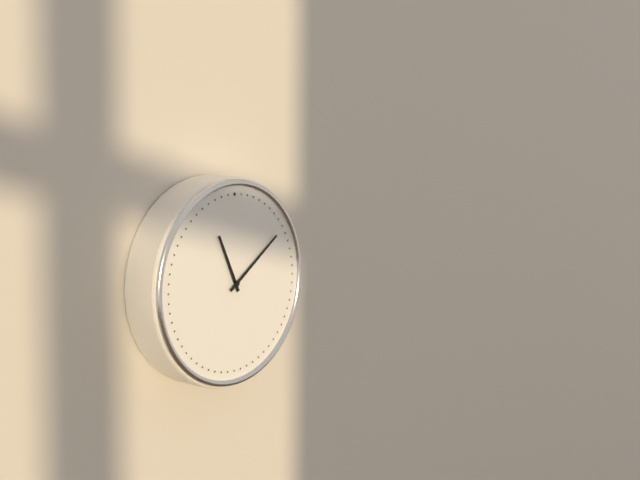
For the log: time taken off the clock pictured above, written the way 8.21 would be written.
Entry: 11.09
